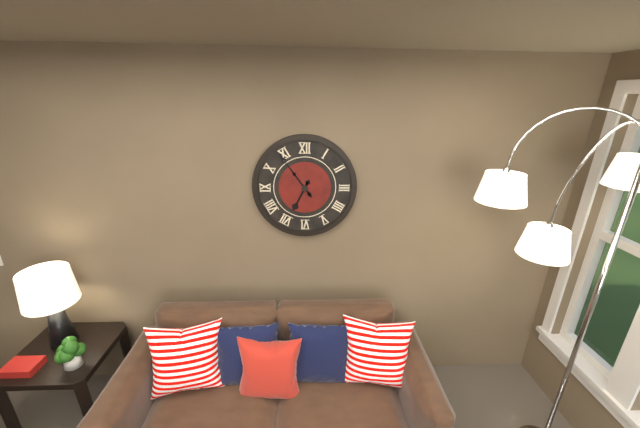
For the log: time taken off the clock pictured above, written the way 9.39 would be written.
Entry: 6.54
